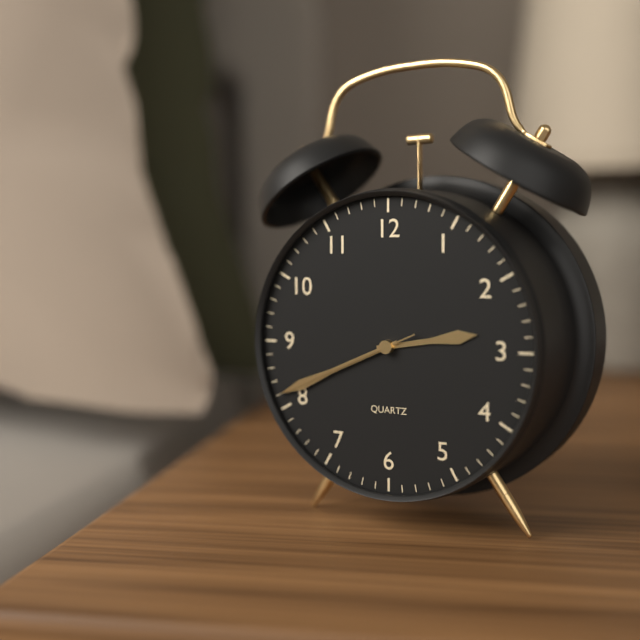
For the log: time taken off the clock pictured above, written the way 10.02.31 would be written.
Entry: 2.41.41
